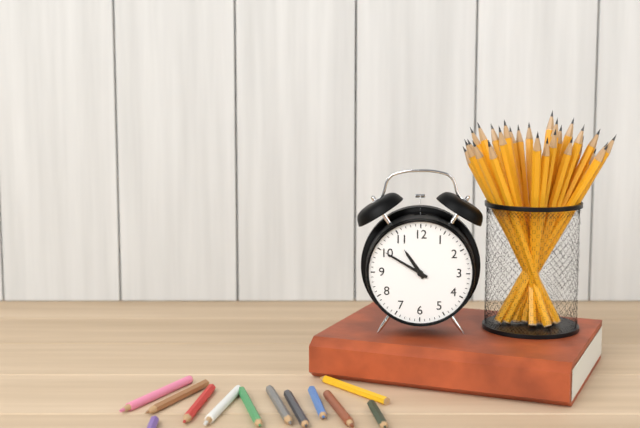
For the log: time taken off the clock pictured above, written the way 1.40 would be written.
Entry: 10.50
